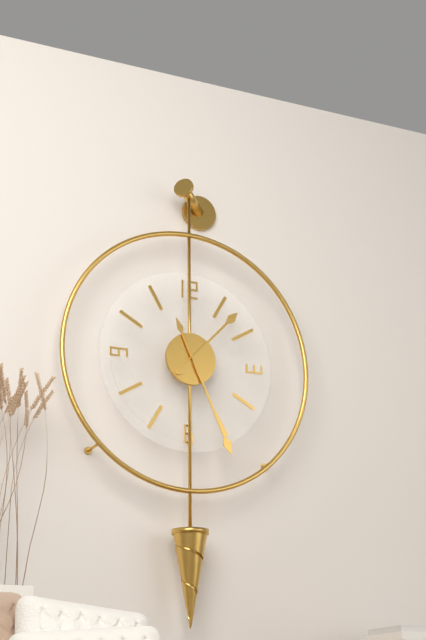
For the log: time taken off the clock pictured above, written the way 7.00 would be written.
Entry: 1.26
